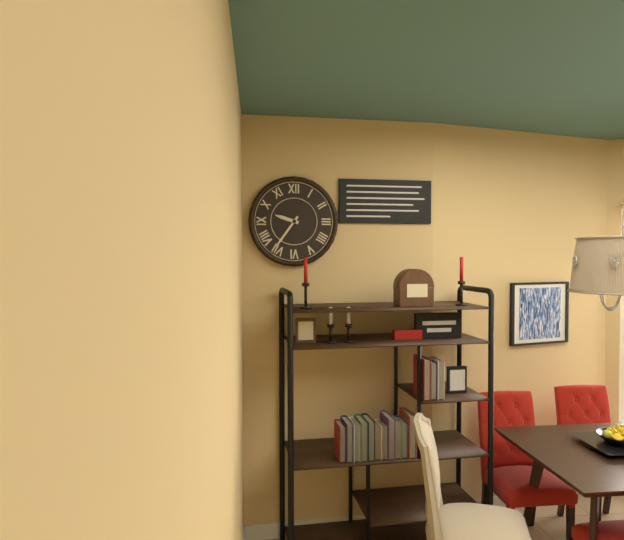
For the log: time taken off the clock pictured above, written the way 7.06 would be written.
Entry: 9.36
